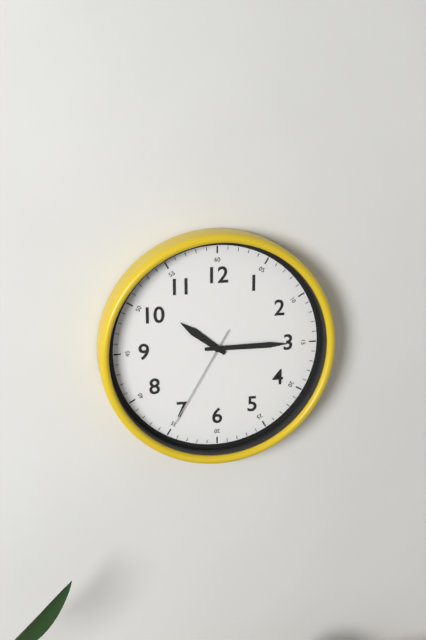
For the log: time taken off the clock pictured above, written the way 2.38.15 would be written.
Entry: 10.15.35
